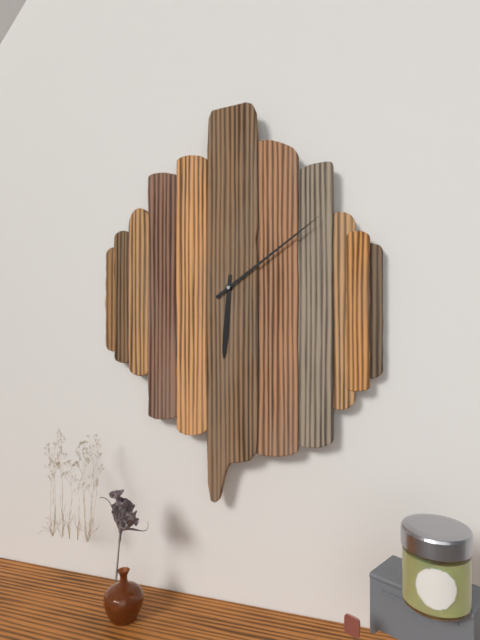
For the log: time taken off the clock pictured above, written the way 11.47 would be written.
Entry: 6.09
